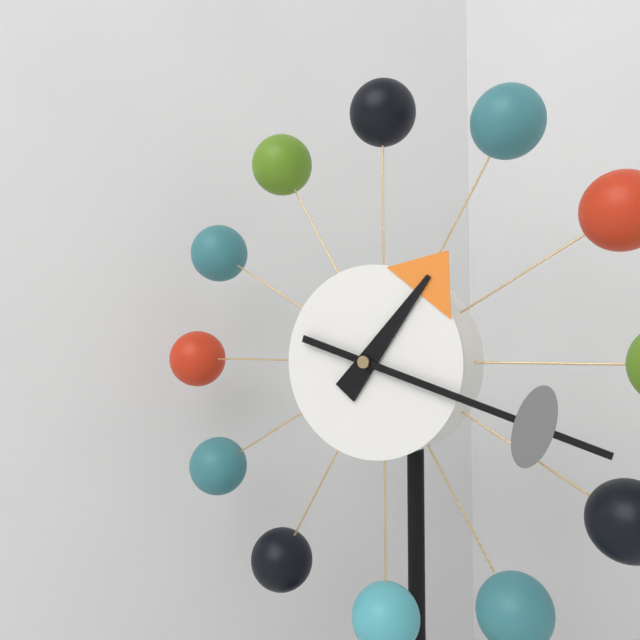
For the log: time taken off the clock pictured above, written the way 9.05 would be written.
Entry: 1.18
